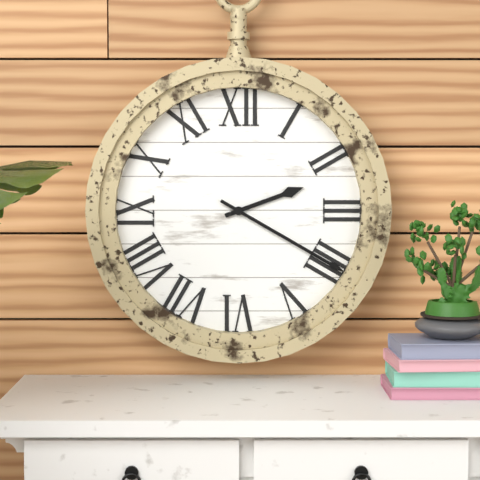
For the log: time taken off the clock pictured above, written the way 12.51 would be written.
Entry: 2.20
